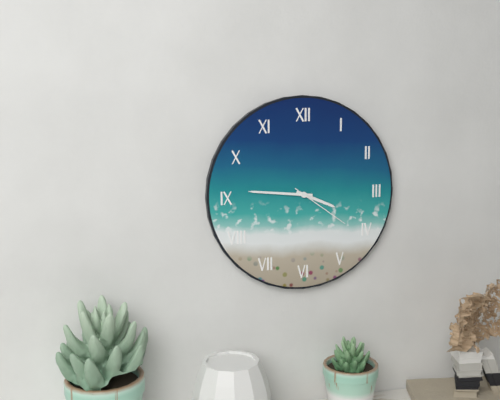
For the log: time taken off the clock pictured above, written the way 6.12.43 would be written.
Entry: 3.46.21
